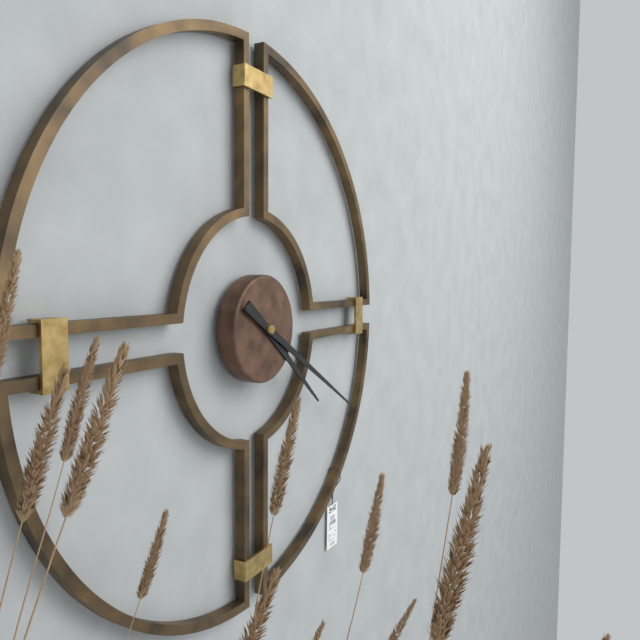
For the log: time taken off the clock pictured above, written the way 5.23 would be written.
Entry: 4.20
